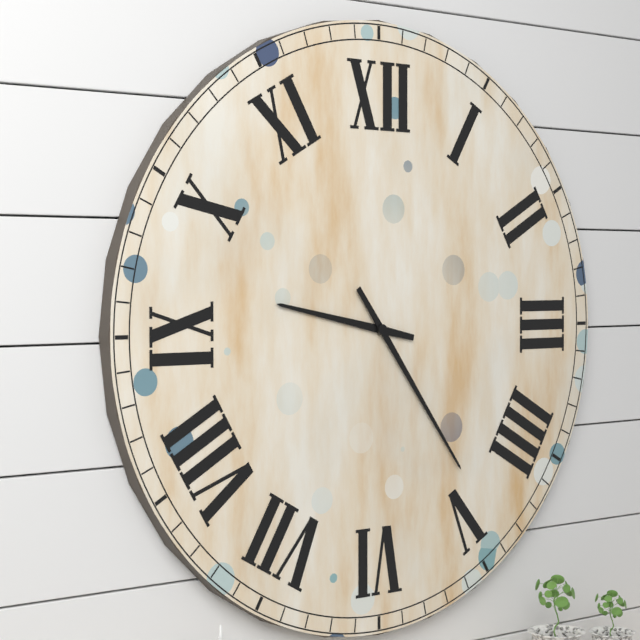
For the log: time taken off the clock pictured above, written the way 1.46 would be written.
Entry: 9.24
